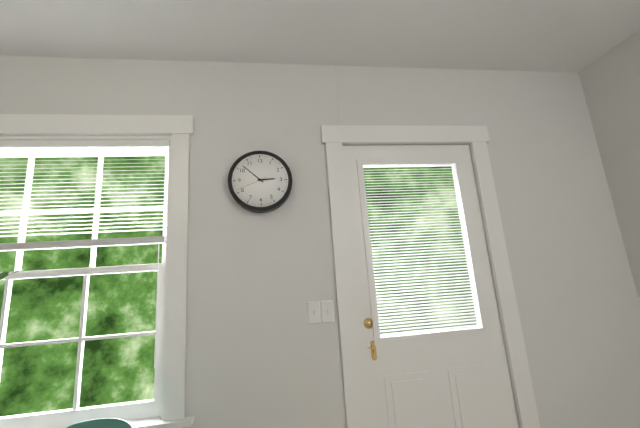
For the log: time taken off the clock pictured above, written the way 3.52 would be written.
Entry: 2.52
